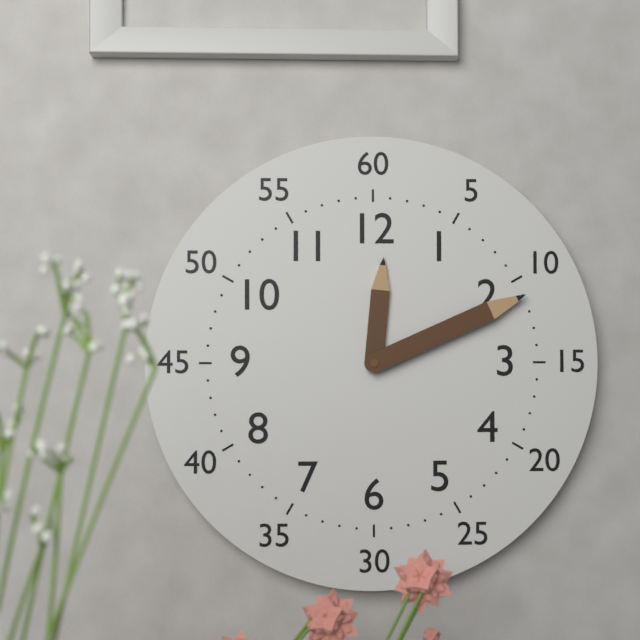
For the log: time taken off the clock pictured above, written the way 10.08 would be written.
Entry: 12.11
